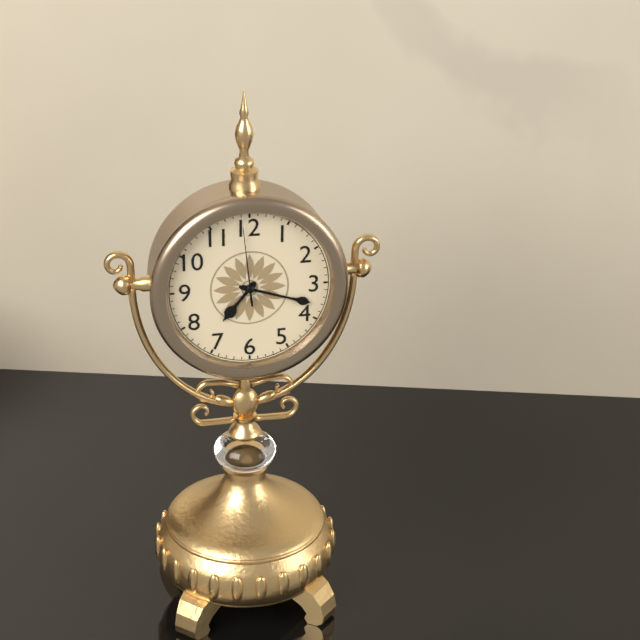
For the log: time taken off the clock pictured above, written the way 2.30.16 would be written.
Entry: 7.18.59
